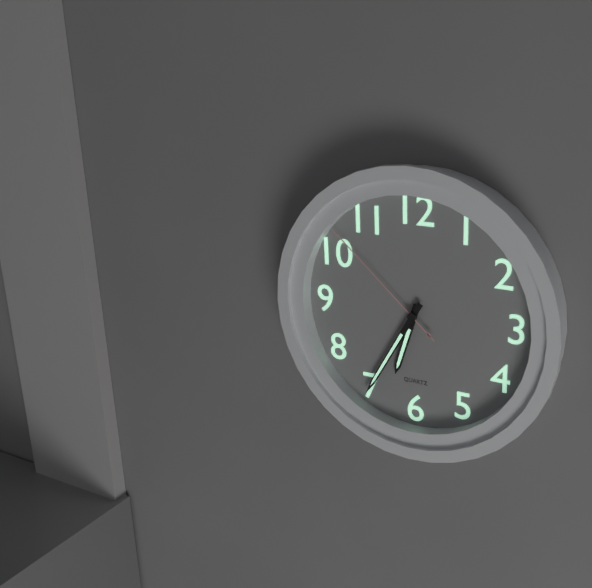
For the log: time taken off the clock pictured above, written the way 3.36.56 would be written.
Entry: 6.35.52
